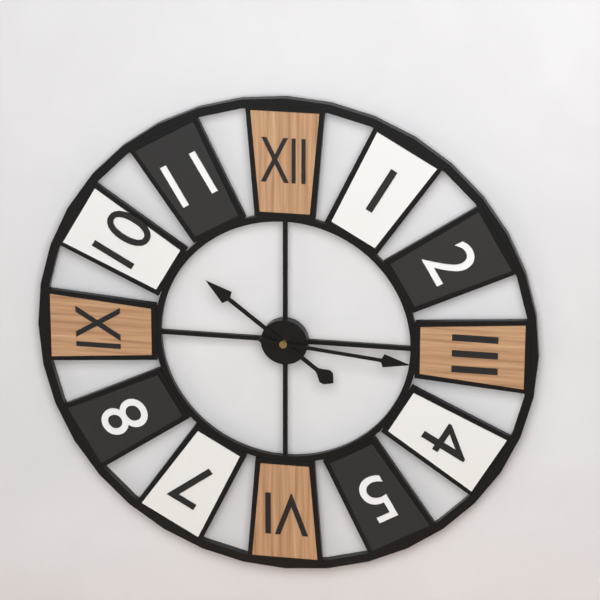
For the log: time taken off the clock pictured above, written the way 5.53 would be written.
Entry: 10.16
